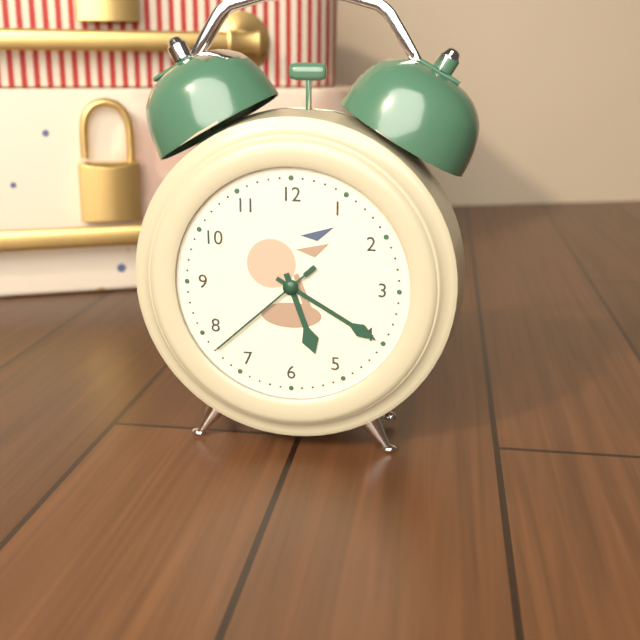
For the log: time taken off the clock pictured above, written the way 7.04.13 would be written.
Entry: 5.20.38
